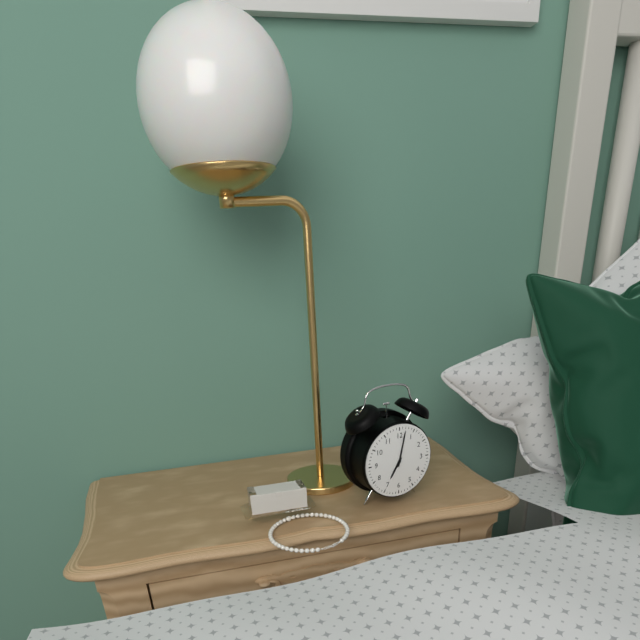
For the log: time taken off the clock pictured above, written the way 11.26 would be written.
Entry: 7.02
